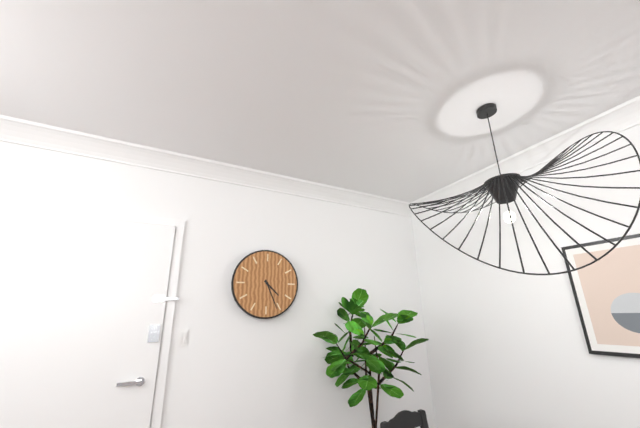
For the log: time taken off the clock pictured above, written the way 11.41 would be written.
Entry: 4.26
